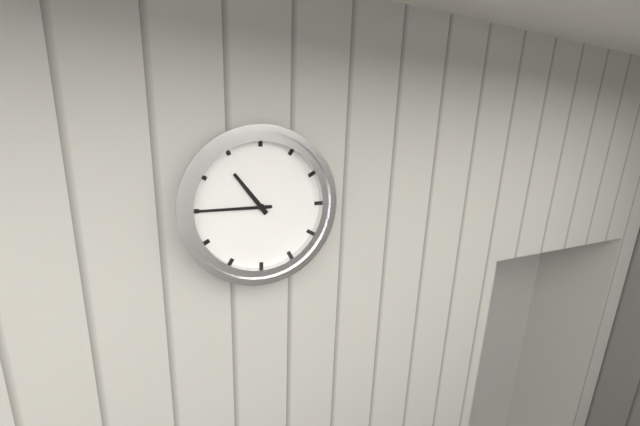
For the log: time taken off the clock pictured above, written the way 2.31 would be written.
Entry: 10.45
